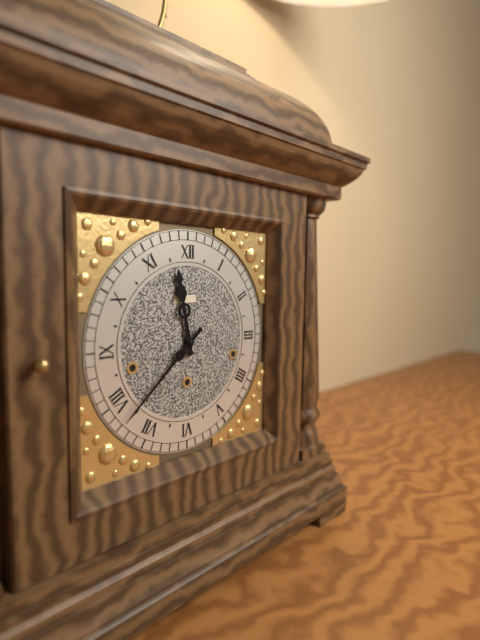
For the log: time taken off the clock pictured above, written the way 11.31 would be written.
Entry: 11.38
